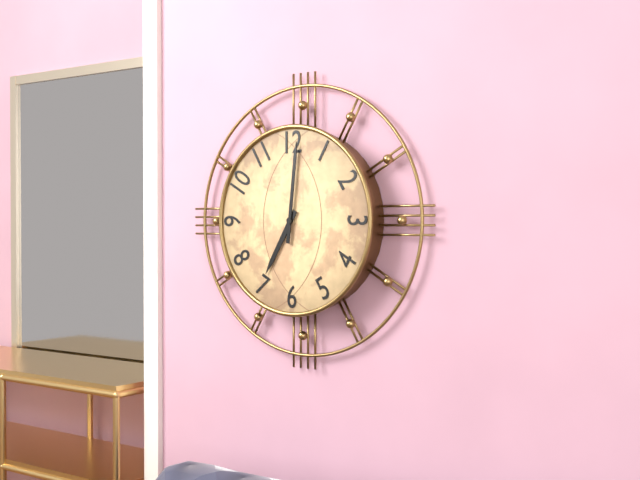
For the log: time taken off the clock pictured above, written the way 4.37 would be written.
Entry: 7.01
